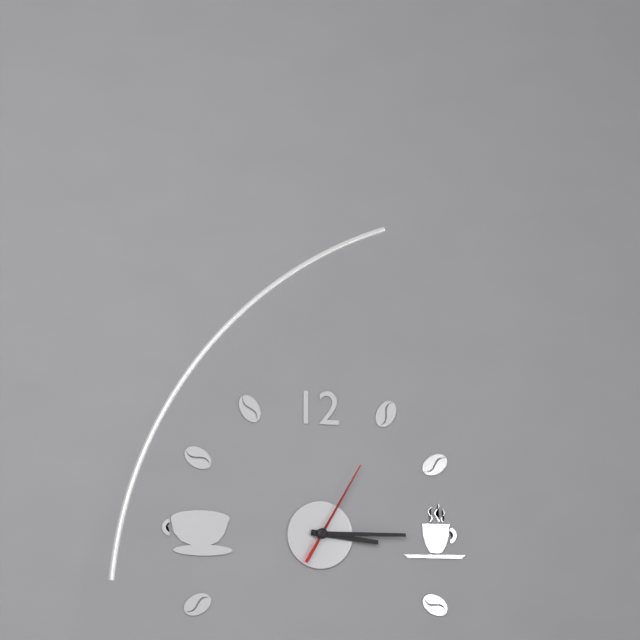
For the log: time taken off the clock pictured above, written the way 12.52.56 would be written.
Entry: 3.15.05
